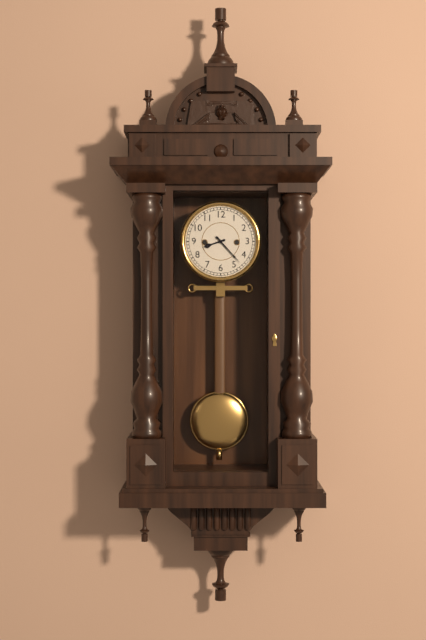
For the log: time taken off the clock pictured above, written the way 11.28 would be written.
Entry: 8.23
